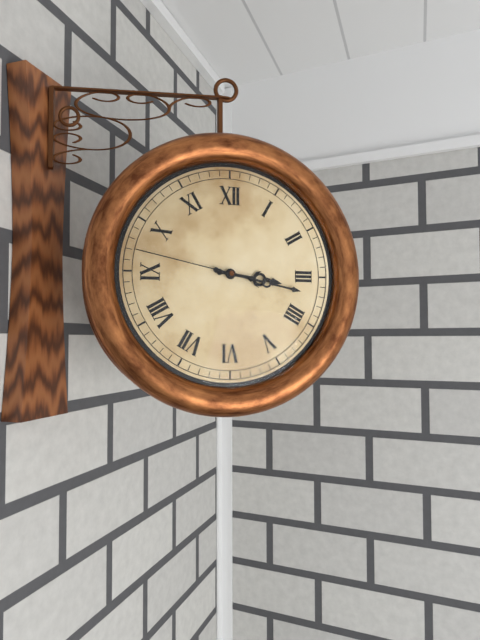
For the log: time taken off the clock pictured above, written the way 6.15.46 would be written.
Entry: 3.17.47
